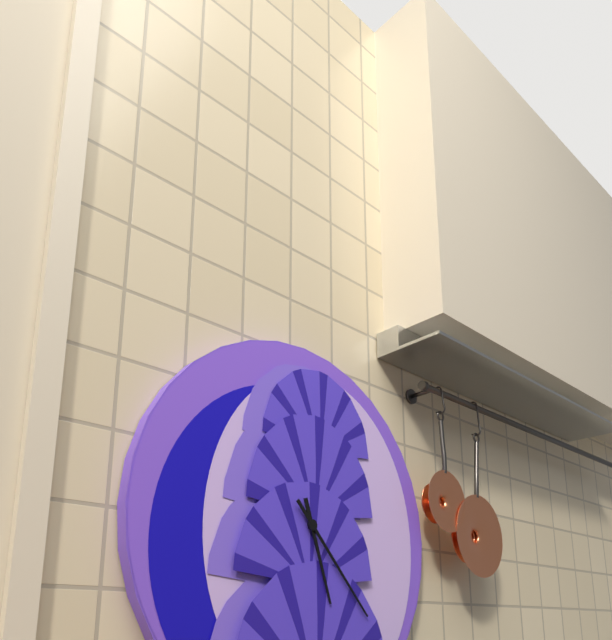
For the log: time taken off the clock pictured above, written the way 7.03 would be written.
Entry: 5.23
